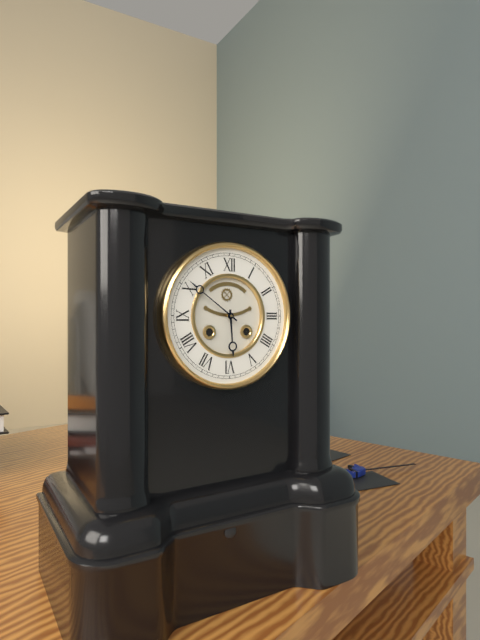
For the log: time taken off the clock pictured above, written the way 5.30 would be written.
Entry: 5.51
